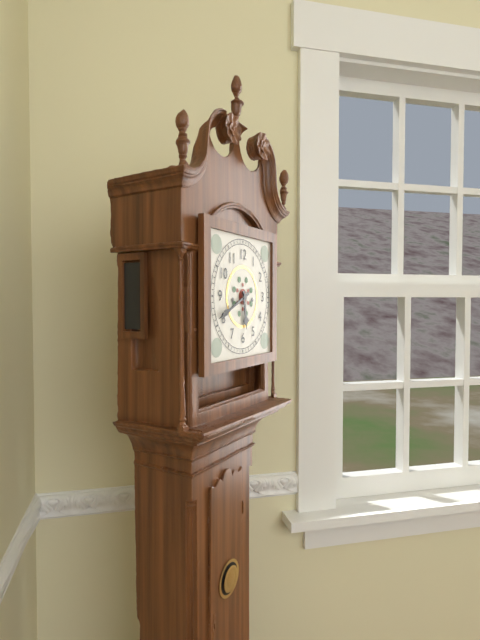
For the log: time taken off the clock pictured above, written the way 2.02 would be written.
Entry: 5.41
